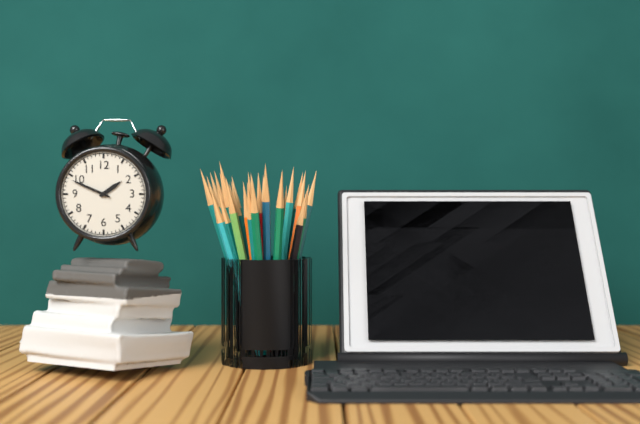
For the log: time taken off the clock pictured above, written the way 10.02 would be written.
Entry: 1.49
